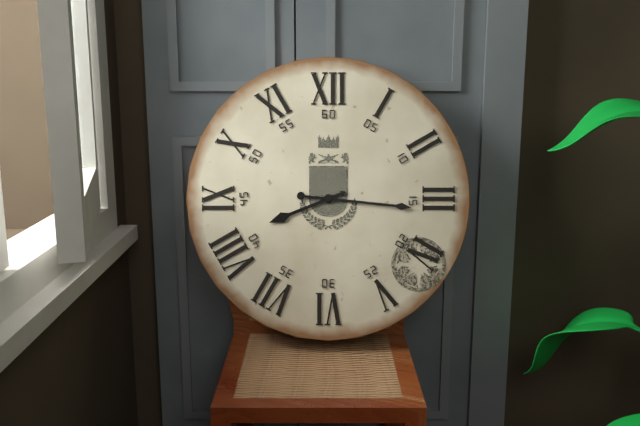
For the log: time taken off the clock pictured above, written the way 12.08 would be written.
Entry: 8.16
